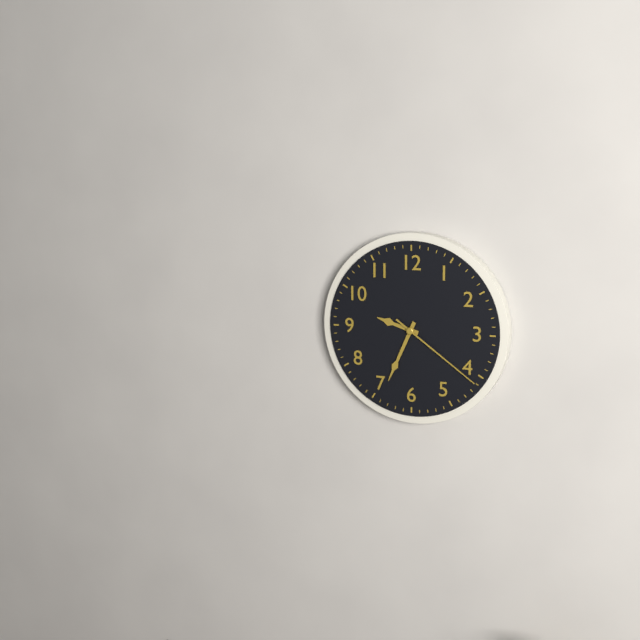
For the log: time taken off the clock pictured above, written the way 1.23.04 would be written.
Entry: 9.34.21
